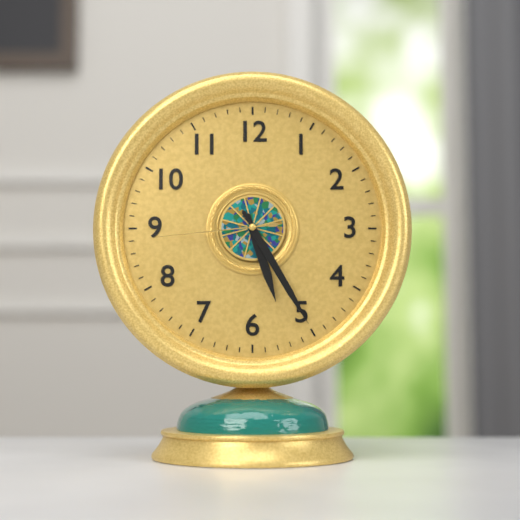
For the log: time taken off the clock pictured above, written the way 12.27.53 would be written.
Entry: 5.25.44
